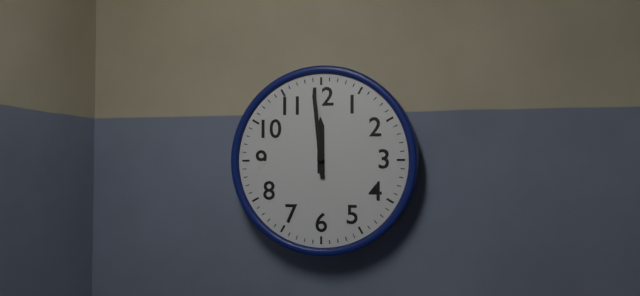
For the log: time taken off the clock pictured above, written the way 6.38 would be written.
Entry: 11.59
